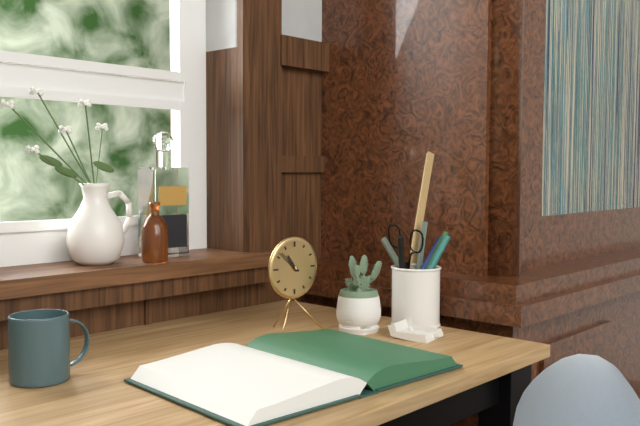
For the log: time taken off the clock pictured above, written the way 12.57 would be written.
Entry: 10.52
